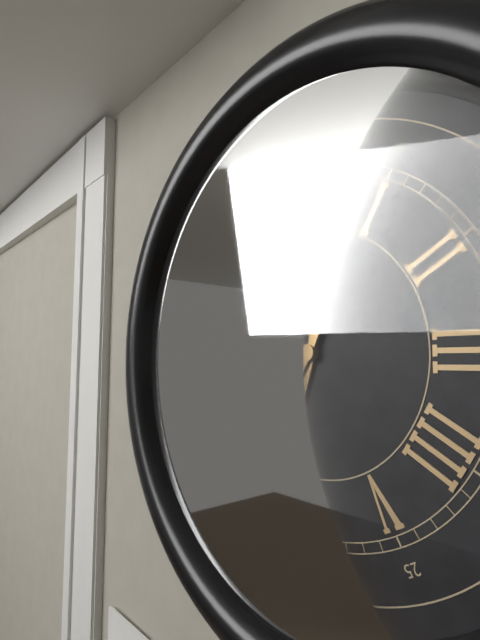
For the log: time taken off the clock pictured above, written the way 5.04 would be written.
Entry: 6.35
